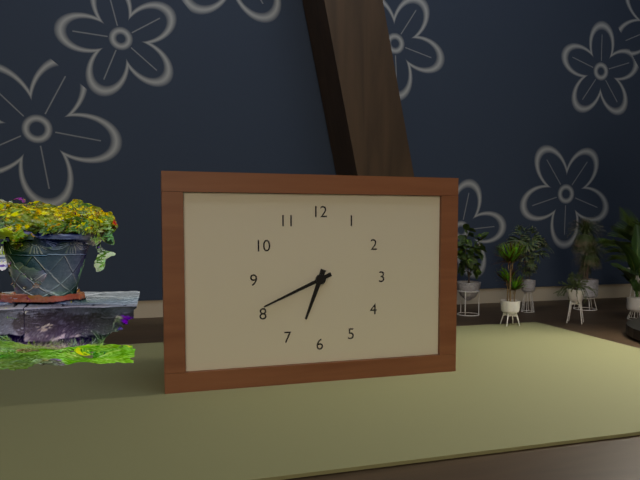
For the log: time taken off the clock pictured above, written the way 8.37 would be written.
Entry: 6.41
